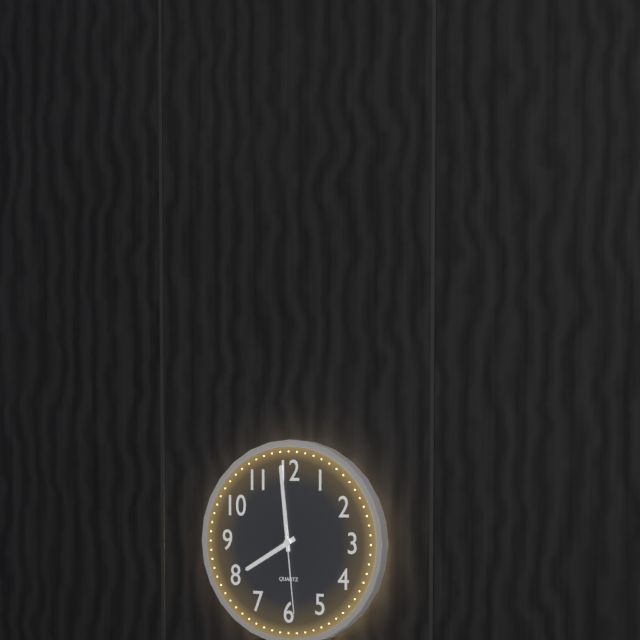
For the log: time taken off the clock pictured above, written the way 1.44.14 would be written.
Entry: 7.59.29
